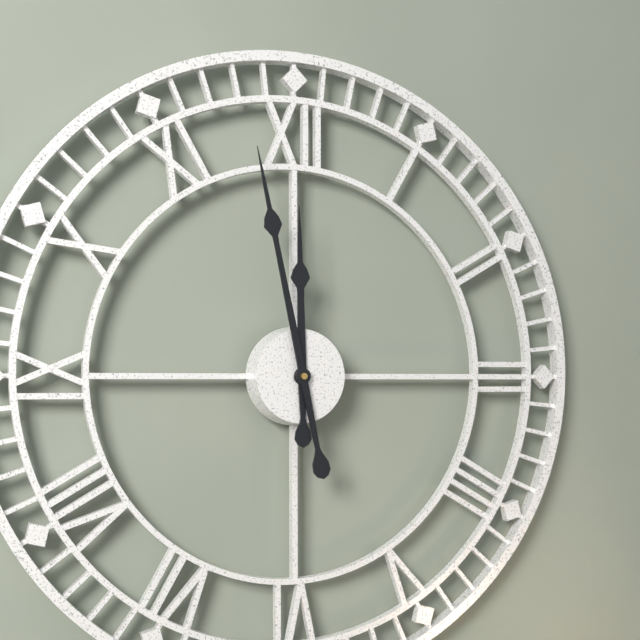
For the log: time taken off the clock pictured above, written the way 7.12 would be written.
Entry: 11.58
